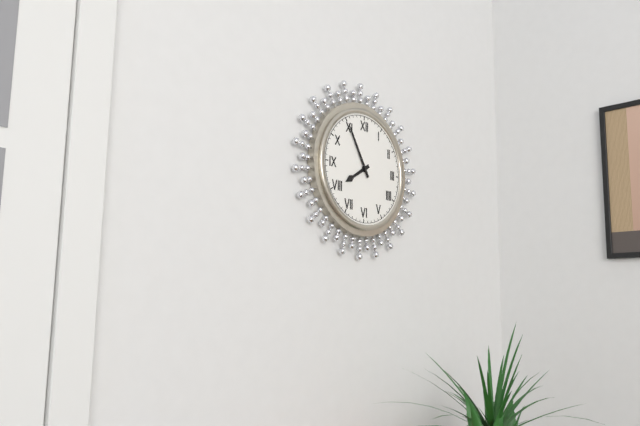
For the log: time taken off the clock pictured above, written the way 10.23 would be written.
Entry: 7.55
